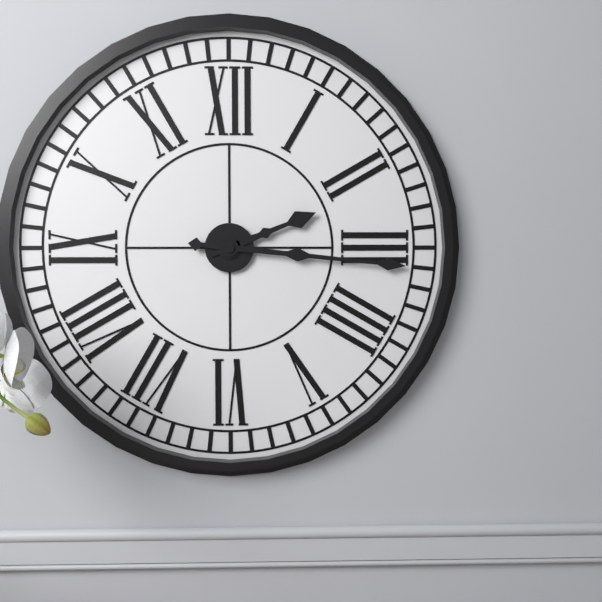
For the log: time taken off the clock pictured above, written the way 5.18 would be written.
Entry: 2.16
